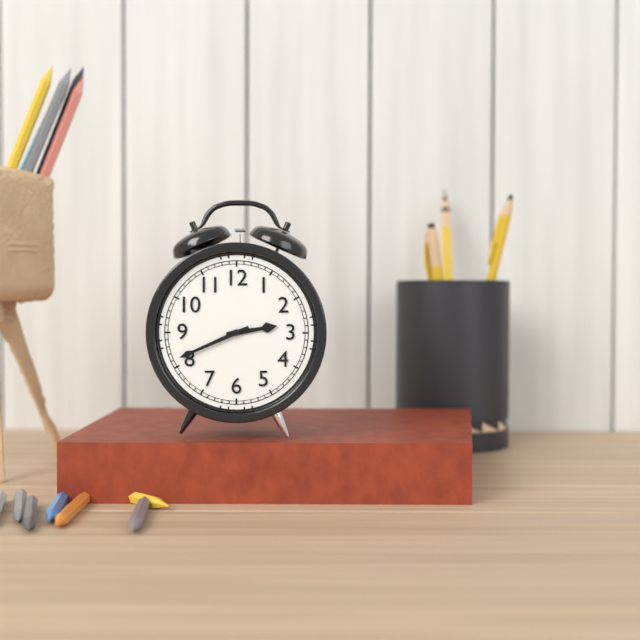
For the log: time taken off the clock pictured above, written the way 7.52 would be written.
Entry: 2.41
